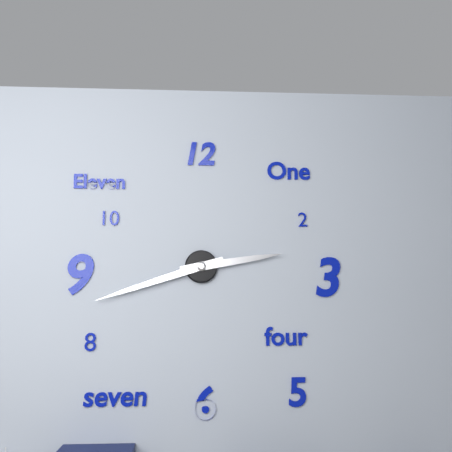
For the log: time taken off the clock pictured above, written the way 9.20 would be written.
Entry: 2.42
